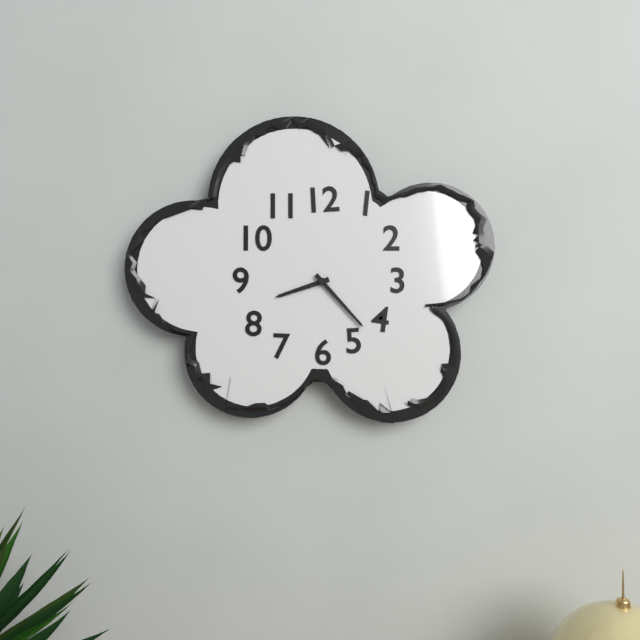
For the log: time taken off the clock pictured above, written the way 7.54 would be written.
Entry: 8.23
